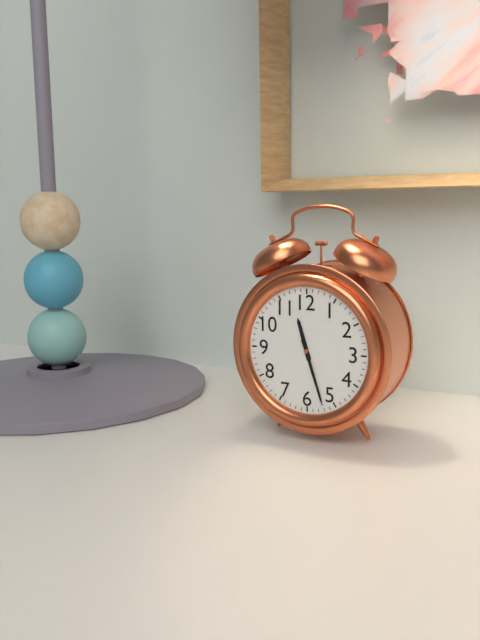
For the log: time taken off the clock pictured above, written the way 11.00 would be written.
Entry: 11.27
